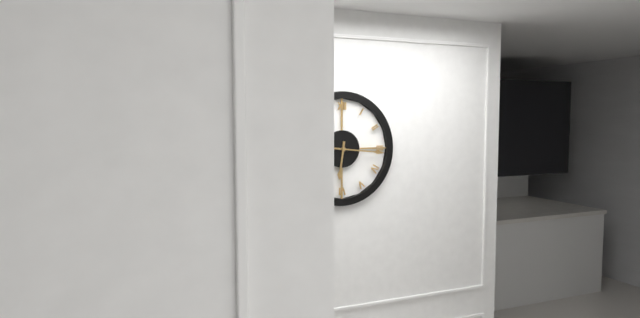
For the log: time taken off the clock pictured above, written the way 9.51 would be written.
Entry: 6.16
